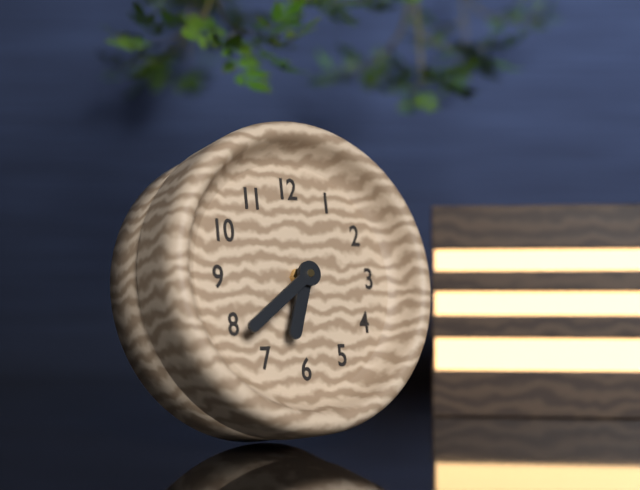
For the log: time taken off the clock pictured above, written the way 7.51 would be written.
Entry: 6.39
